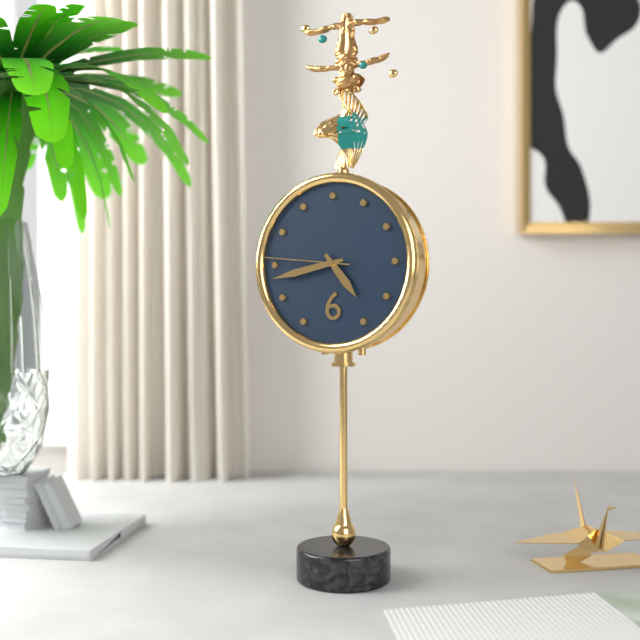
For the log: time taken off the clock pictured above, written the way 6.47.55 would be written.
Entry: 4.43.46
